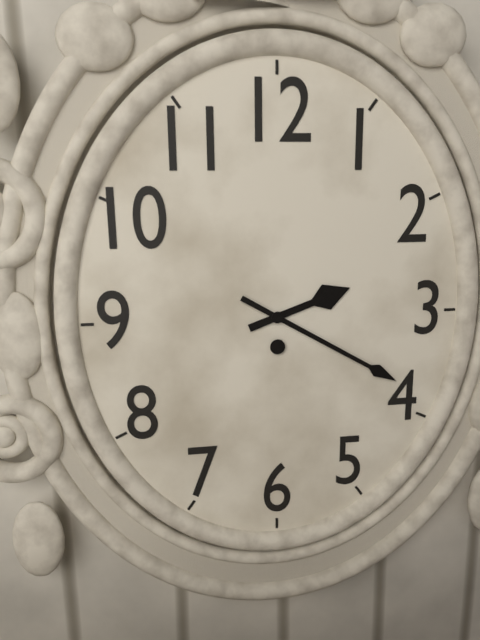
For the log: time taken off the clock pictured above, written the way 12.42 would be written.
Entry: 2.20
